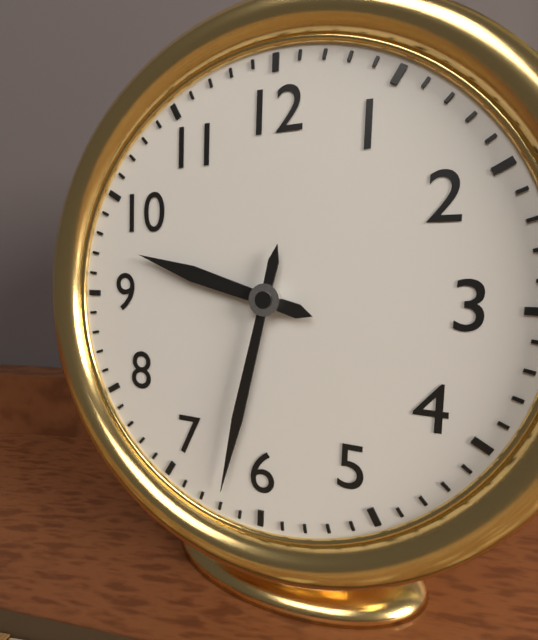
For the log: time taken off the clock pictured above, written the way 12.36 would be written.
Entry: 9.32
